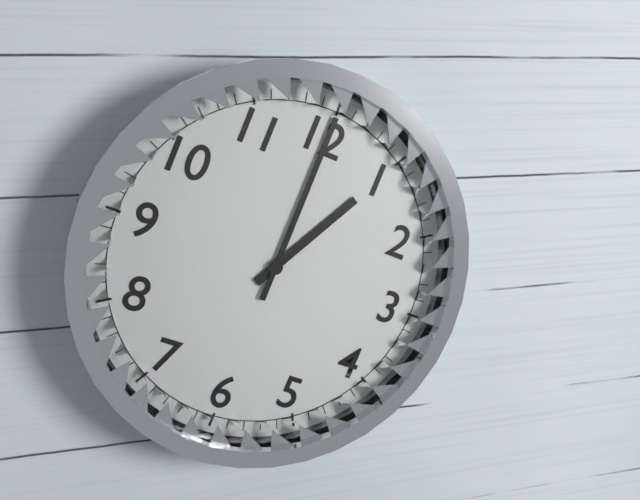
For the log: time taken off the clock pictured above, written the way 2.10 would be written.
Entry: 1.00
